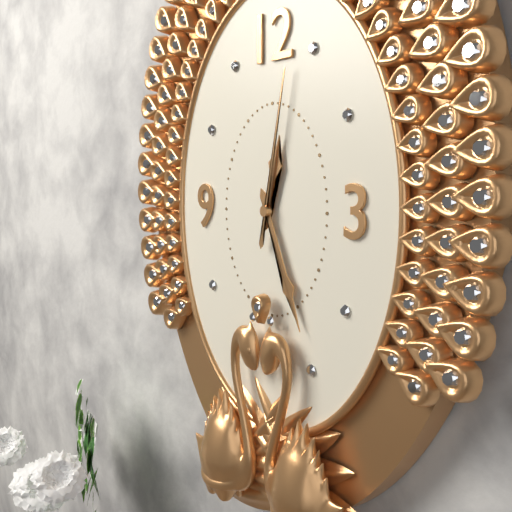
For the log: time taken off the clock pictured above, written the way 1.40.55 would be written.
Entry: 12.26.02
